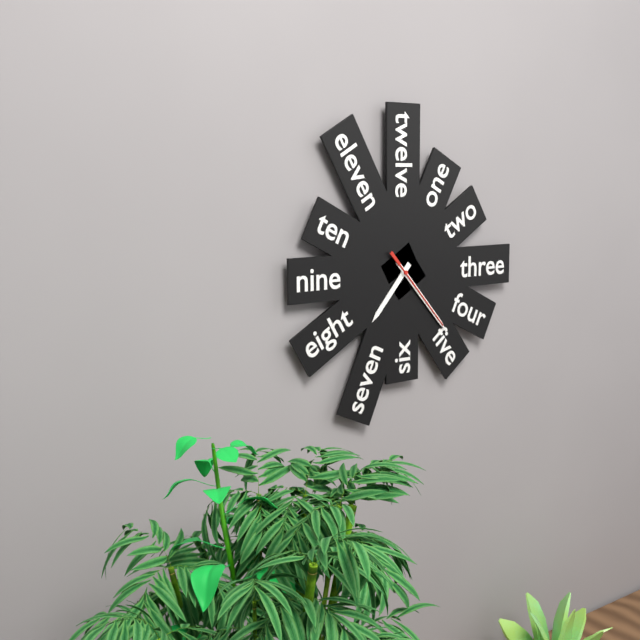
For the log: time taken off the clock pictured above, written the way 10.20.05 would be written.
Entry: 7.23.23
